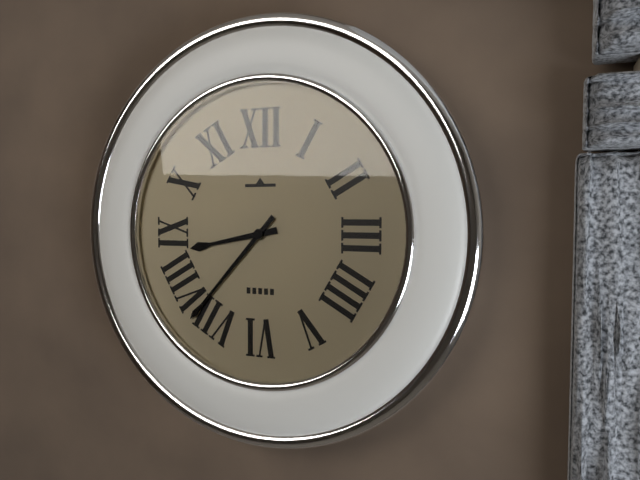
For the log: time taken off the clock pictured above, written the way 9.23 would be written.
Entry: 8.37
